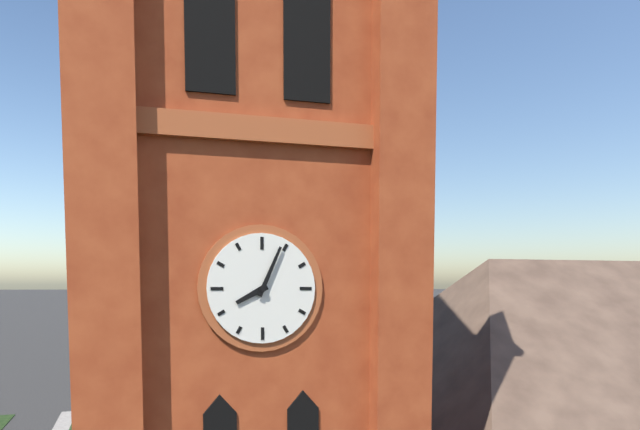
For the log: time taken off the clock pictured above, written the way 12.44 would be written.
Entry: 8.04
